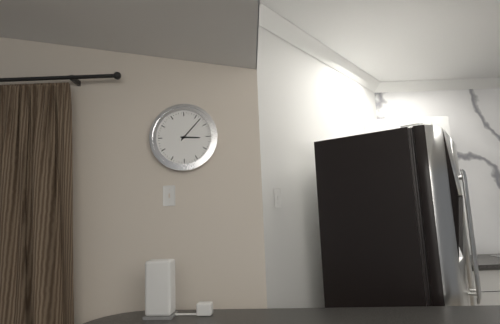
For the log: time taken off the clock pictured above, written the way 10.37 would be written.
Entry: 3.07
